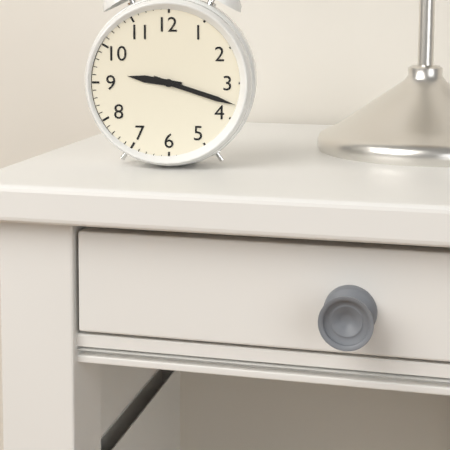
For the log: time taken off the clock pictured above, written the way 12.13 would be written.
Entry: 9.18
